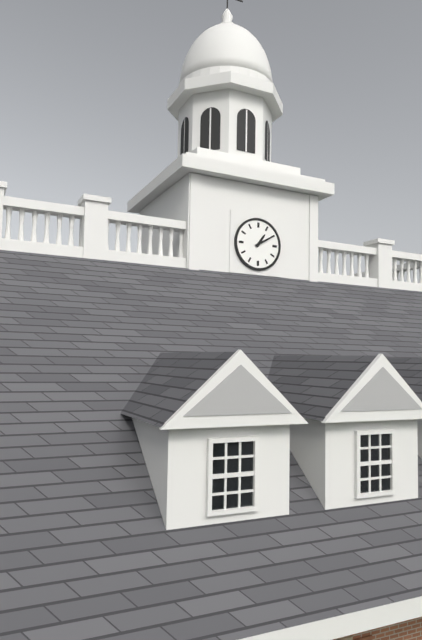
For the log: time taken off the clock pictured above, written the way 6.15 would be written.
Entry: 1.10
